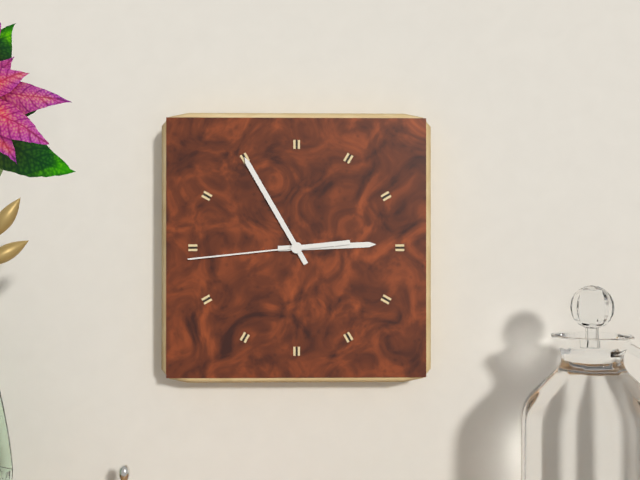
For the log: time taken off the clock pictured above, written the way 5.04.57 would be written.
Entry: 2.55.44
